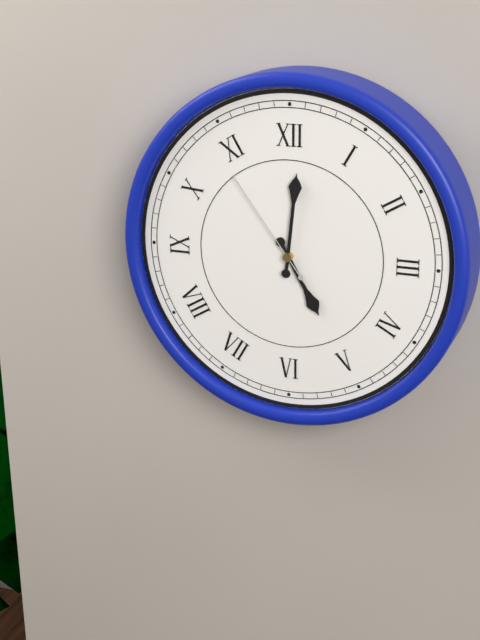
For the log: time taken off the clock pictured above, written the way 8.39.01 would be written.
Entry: 5.01.54
